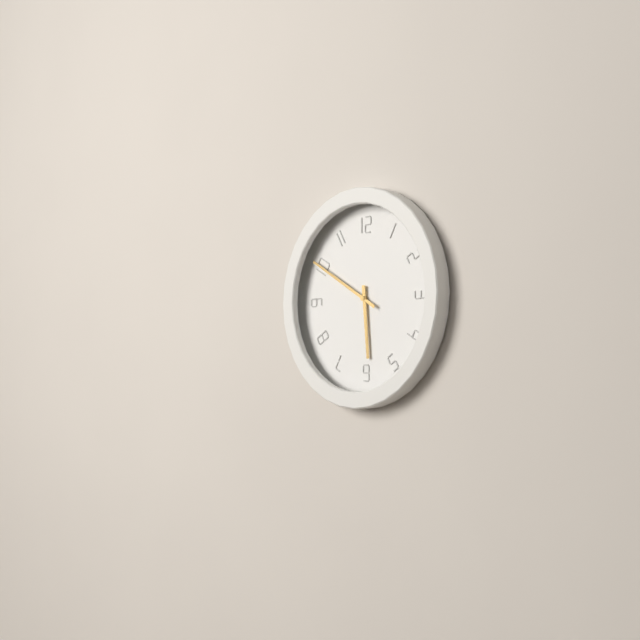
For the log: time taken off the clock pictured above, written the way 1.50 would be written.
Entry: 5.50
